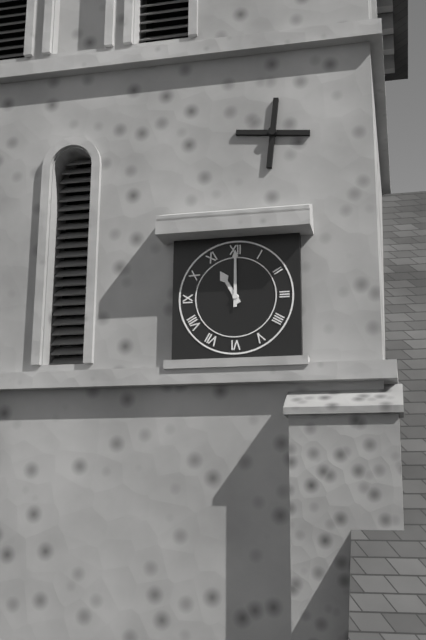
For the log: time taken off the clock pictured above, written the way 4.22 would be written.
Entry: 11.00
